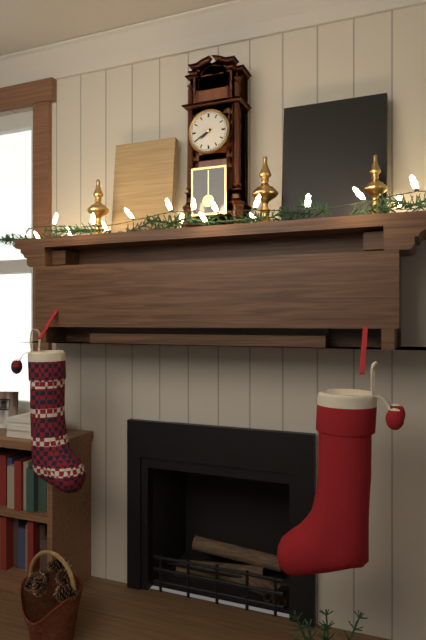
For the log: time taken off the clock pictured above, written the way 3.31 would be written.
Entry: 7.40
